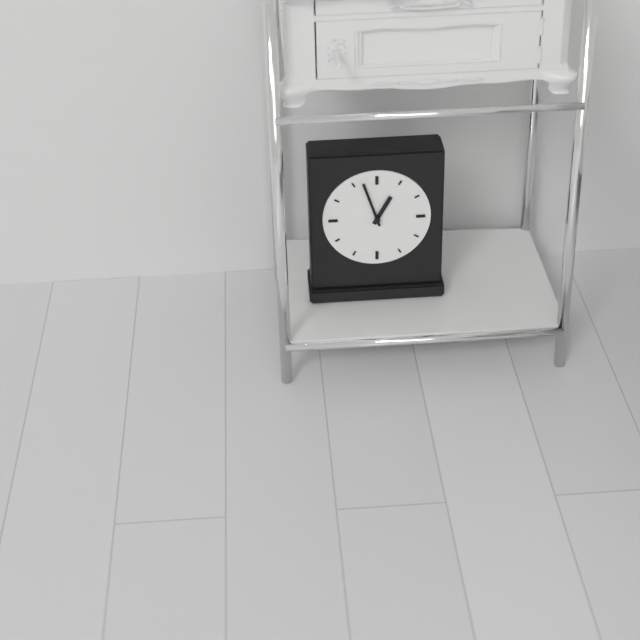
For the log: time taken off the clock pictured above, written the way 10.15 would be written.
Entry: 12.57
